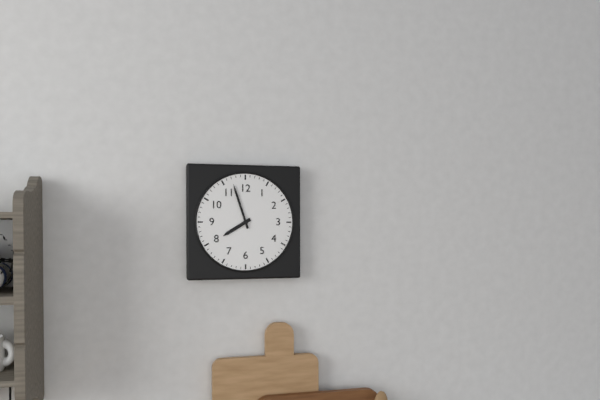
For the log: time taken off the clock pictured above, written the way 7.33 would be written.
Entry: 7.57
